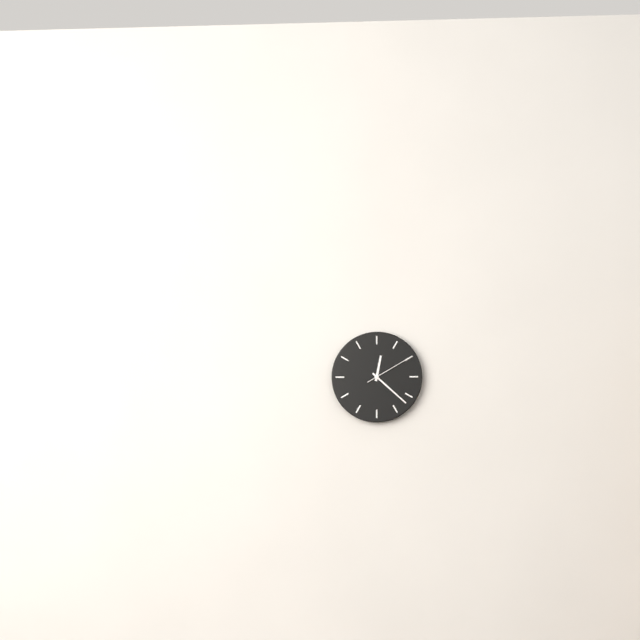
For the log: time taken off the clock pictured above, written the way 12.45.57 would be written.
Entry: 12.22.10
